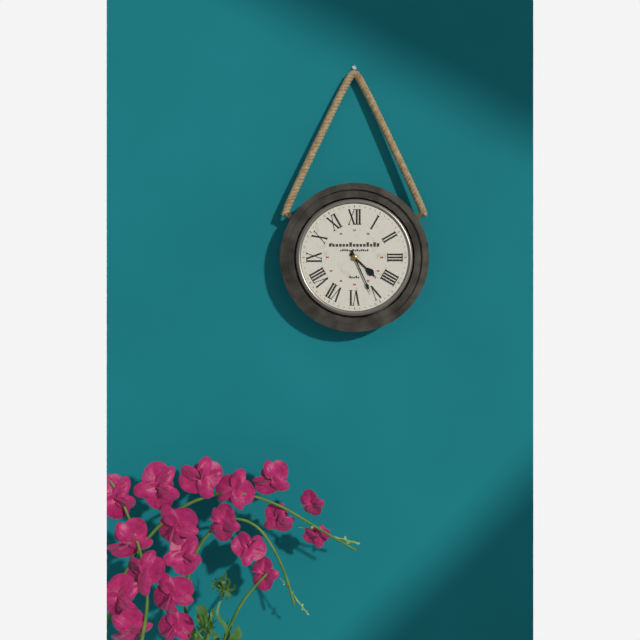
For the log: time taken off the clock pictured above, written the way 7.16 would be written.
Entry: 4.26
